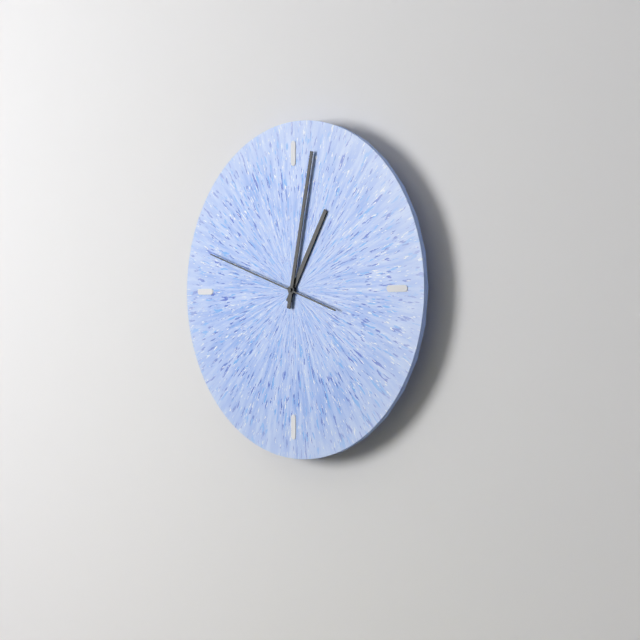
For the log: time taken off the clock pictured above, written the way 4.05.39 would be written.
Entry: 1.02.48
